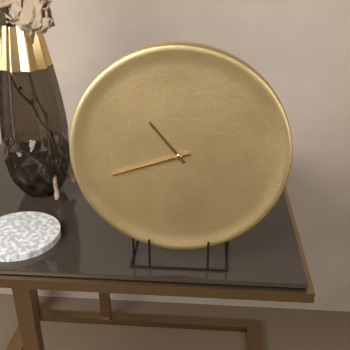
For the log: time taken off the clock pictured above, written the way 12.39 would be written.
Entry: 10.42
